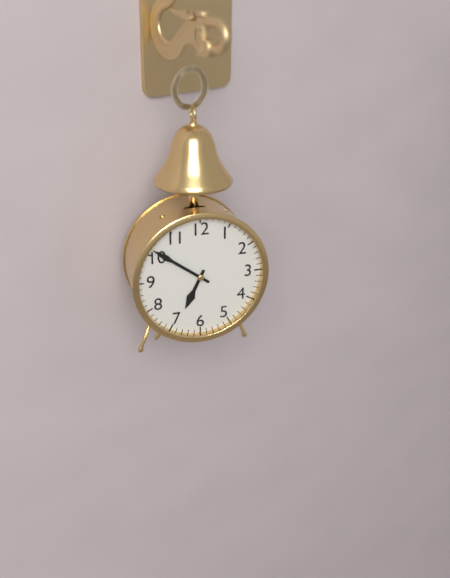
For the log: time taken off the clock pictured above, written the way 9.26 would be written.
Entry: 6.51
